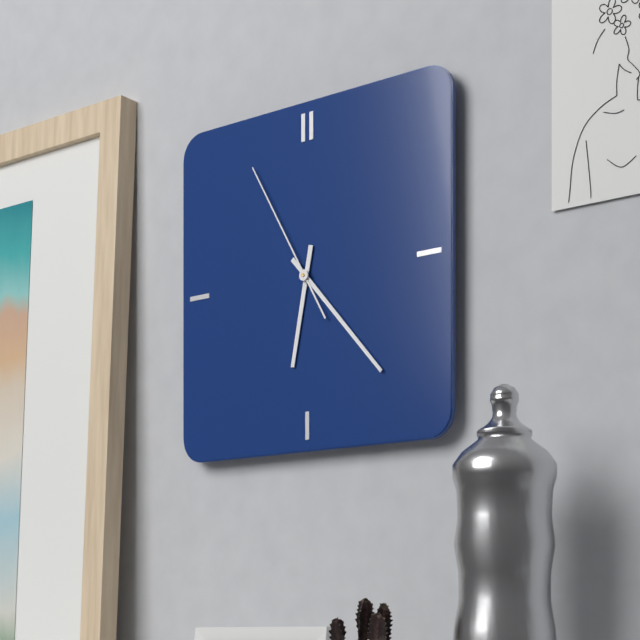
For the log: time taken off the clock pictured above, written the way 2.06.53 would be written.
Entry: 6.23.55
